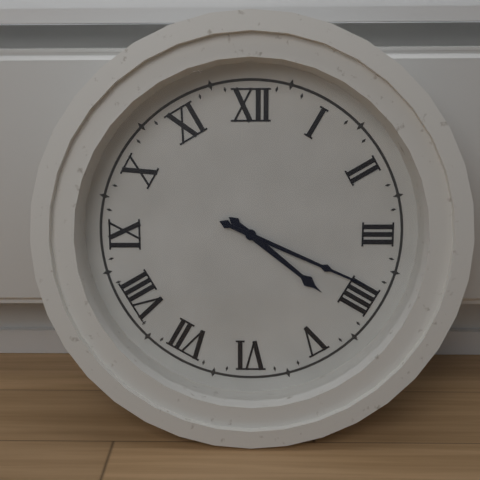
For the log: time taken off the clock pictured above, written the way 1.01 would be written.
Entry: 4.19
